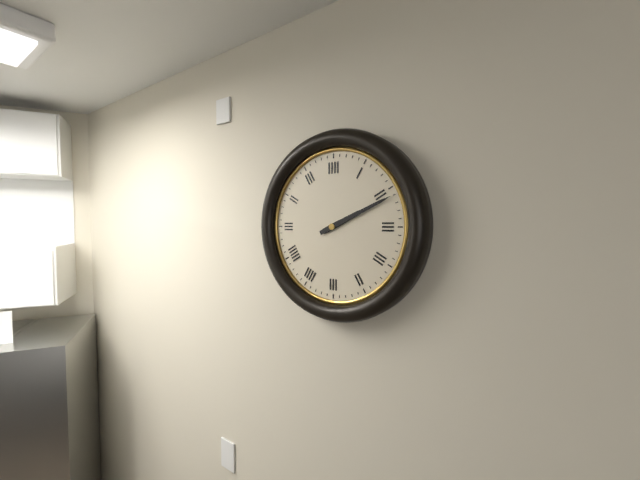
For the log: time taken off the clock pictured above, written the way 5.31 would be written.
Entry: 2.11
